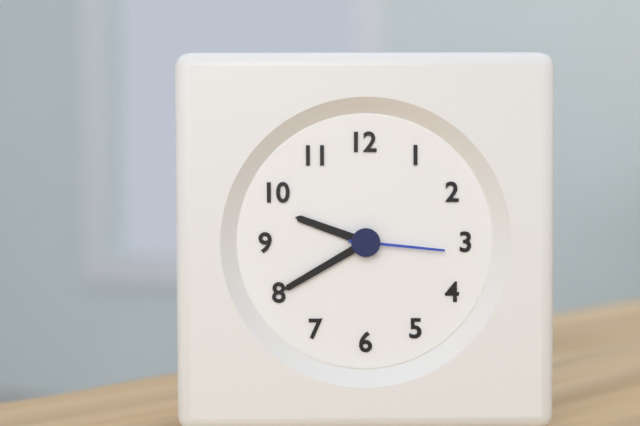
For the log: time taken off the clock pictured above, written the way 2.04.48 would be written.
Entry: 9.40.16
